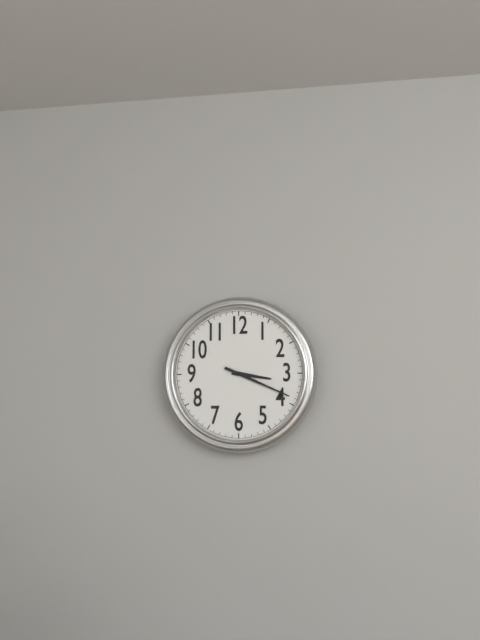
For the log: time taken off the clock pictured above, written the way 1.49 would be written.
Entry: 3.19
